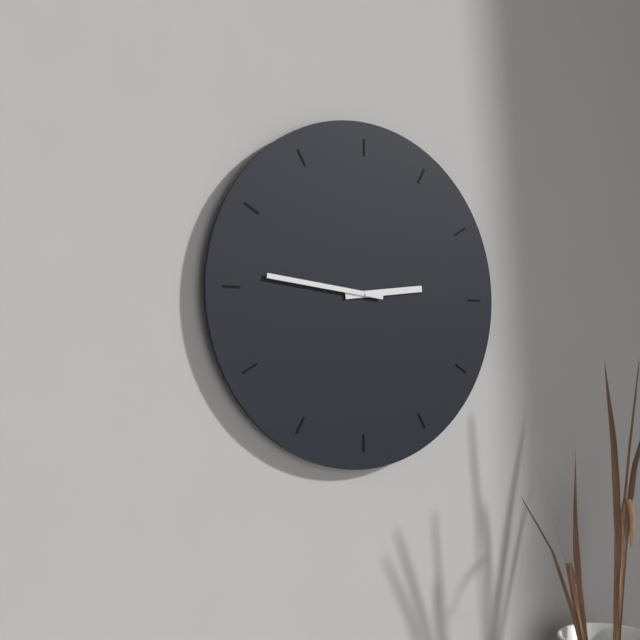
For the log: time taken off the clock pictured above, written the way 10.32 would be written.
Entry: 2.46
